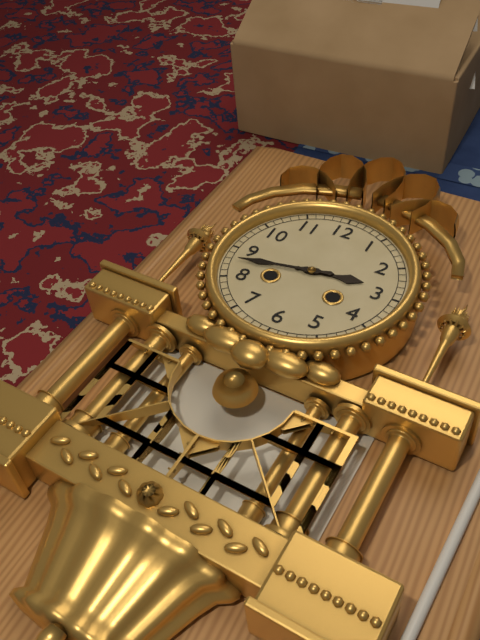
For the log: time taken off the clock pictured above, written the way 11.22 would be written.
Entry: 2.43
